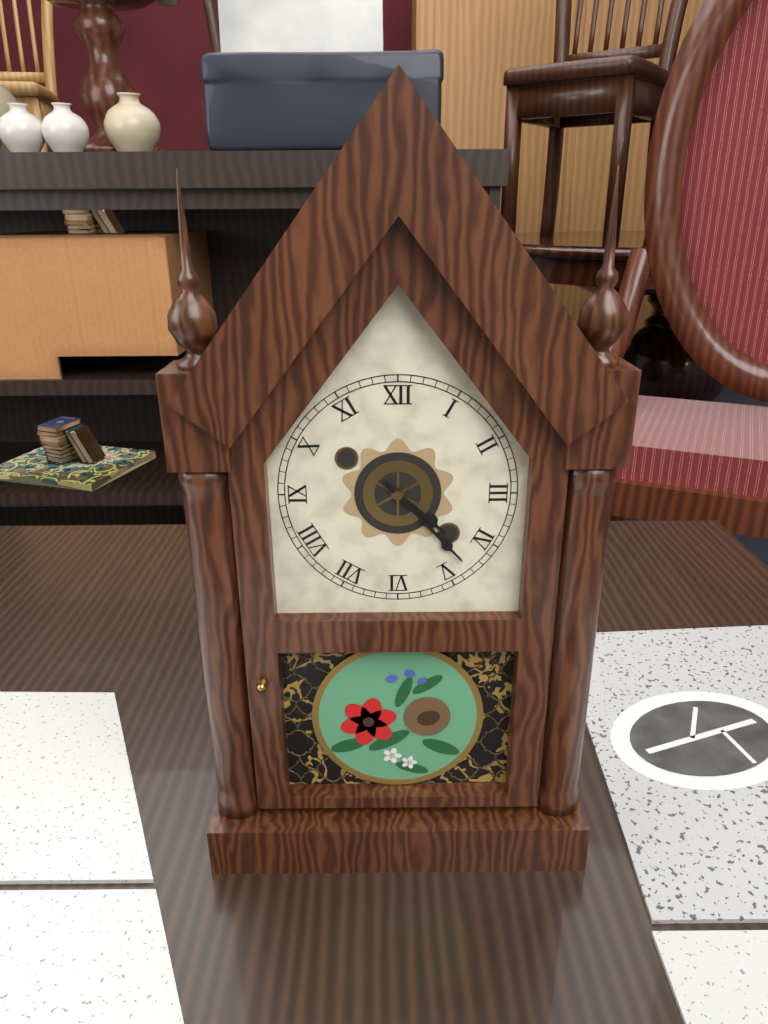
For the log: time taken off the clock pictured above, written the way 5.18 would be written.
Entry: 4.23
